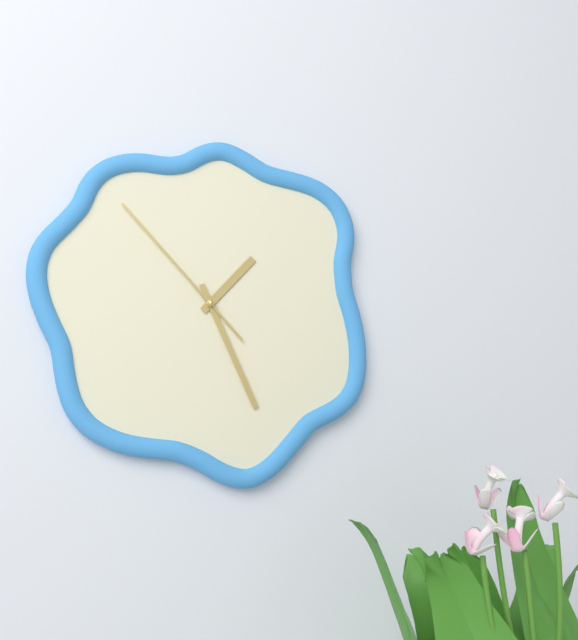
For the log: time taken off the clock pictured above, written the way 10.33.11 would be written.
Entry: 1.26.53
